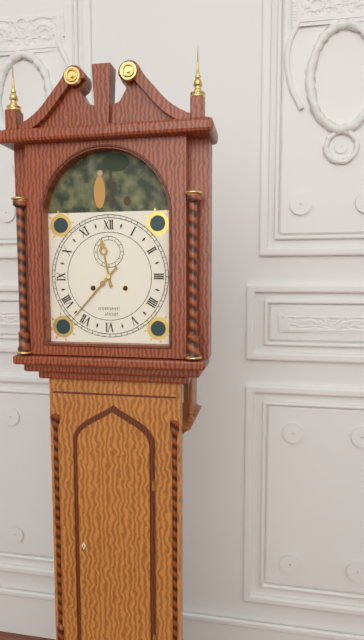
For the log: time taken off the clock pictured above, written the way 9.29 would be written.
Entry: 11.37
